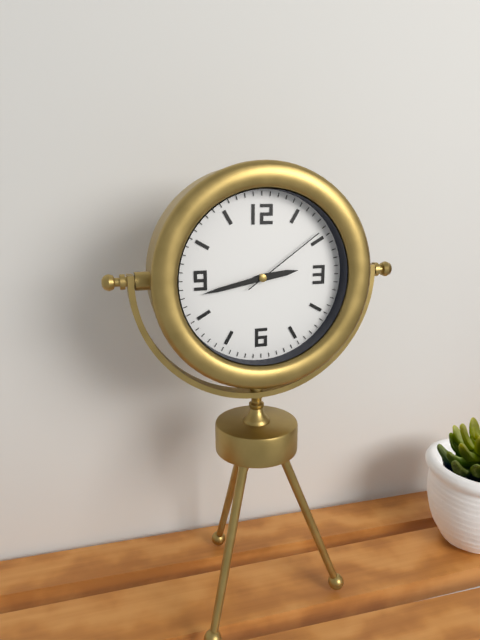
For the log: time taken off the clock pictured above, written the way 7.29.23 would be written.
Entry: 2.43.09
